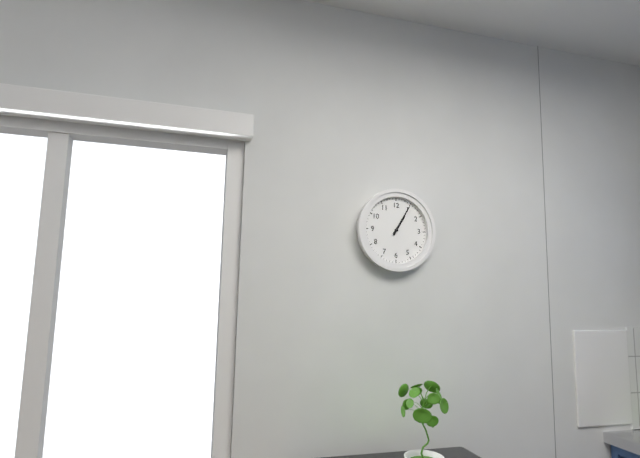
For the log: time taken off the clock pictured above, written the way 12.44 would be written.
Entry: 1.05
